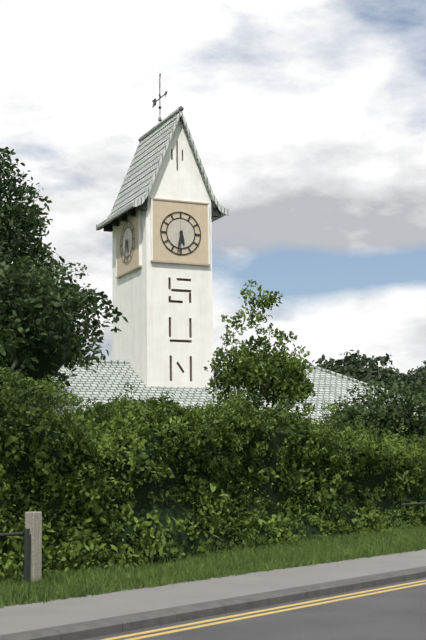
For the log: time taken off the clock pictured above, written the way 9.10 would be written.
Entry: 5.32
